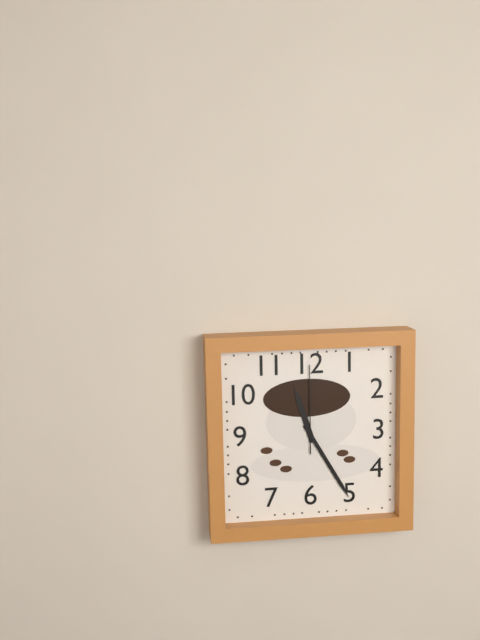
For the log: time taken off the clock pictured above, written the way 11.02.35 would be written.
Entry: 11.25.00
